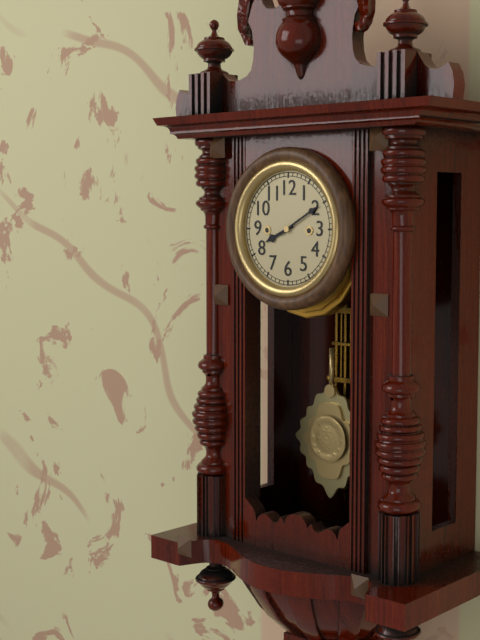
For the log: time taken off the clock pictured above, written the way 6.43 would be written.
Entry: 8.10
